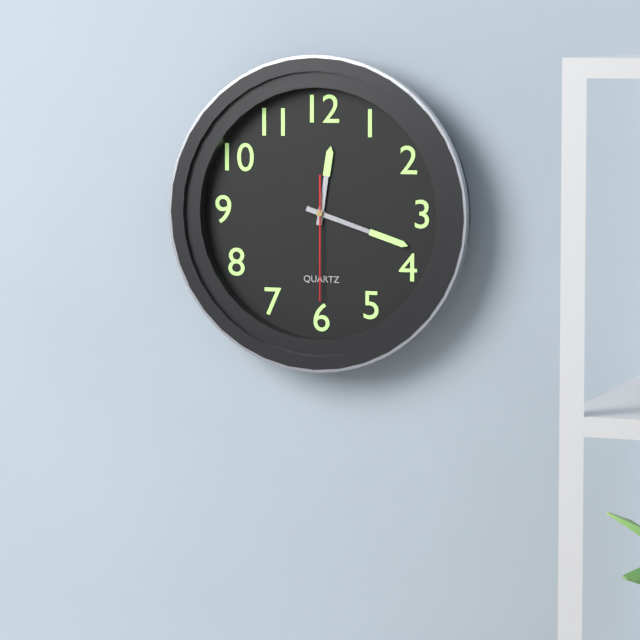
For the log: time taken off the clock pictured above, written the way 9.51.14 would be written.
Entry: 12.18.30
